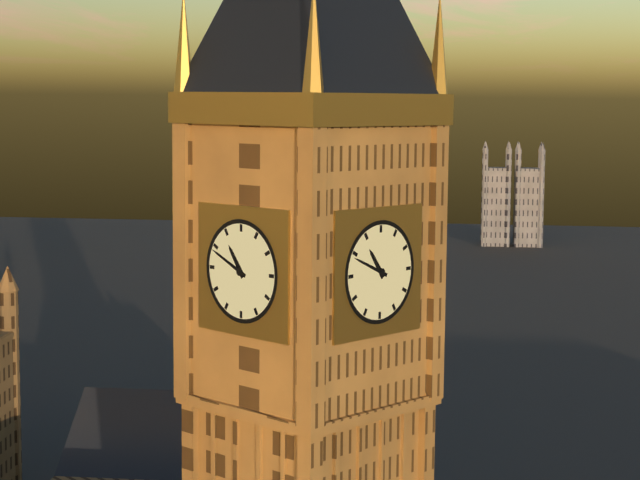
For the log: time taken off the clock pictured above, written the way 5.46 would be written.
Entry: 10.49
